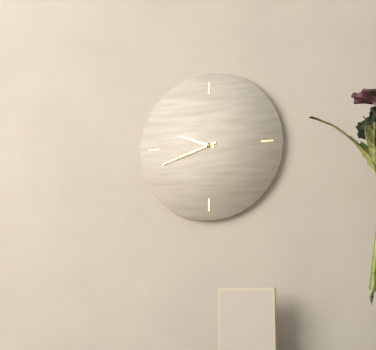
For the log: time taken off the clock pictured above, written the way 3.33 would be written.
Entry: 9.42
